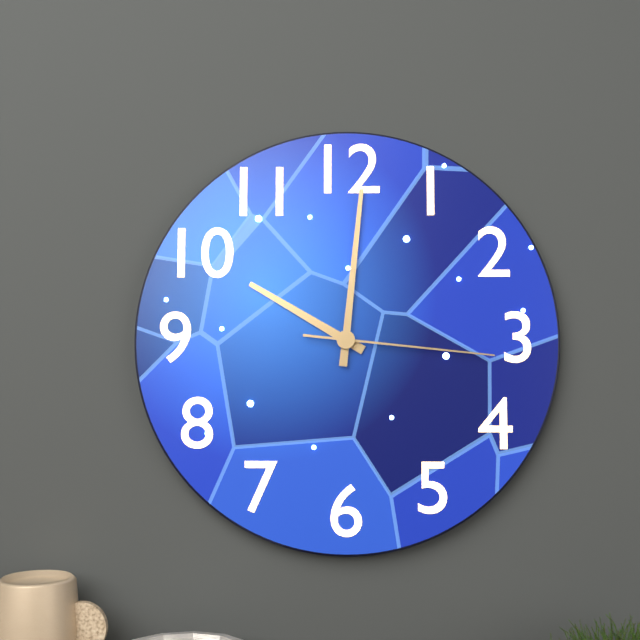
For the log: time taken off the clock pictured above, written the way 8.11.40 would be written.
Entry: 10.01.16
